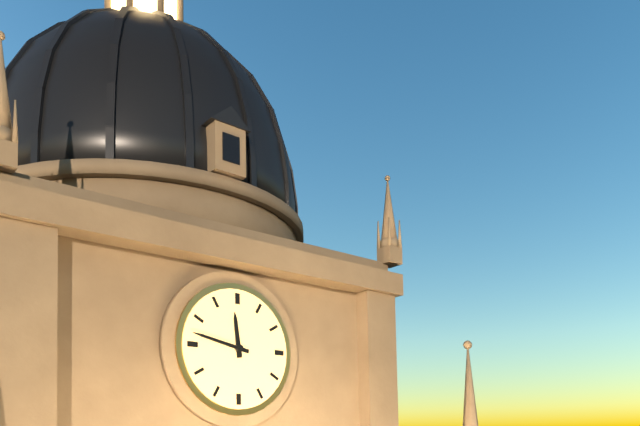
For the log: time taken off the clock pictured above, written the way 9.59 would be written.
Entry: 11.47
